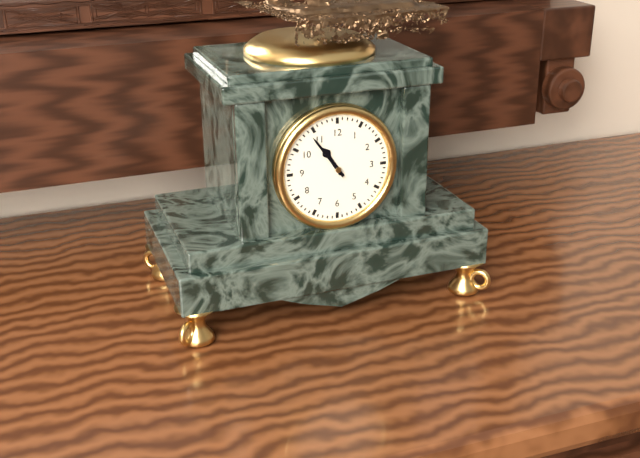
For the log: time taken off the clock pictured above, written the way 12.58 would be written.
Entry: 10.54
